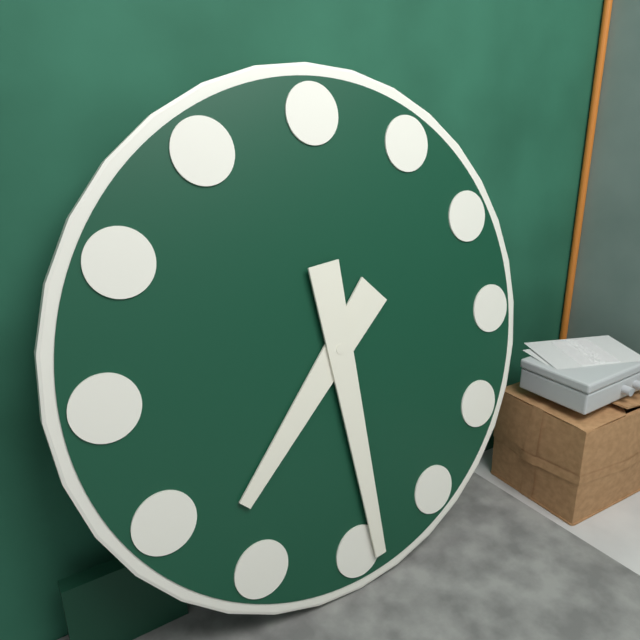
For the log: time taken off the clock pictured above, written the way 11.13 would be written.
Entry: 7.29
